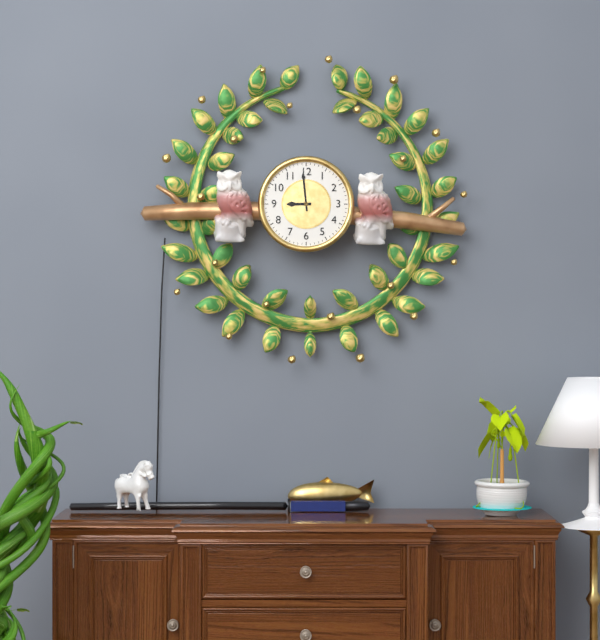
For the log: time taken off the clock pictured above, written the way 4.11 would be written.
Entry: 8.59
